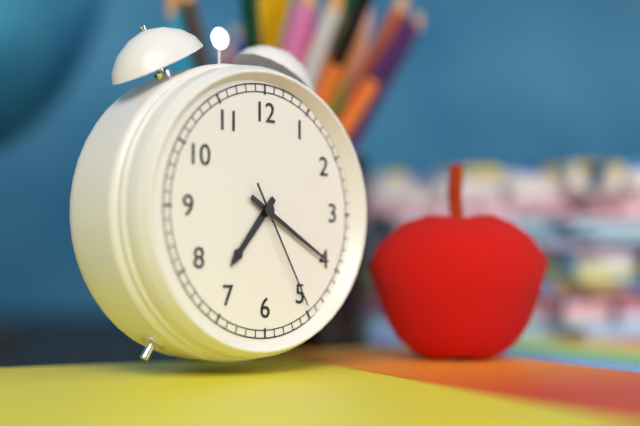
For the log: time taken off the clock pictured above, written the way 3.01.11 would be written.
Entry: 7.20.25
